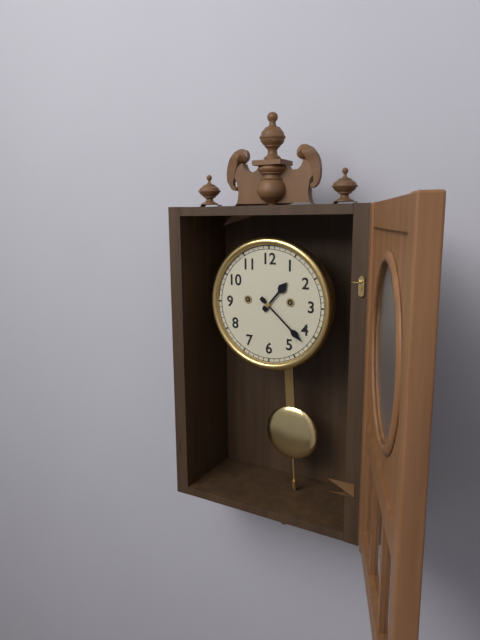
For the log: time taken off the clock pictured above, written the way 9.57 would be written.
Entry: 1.22
